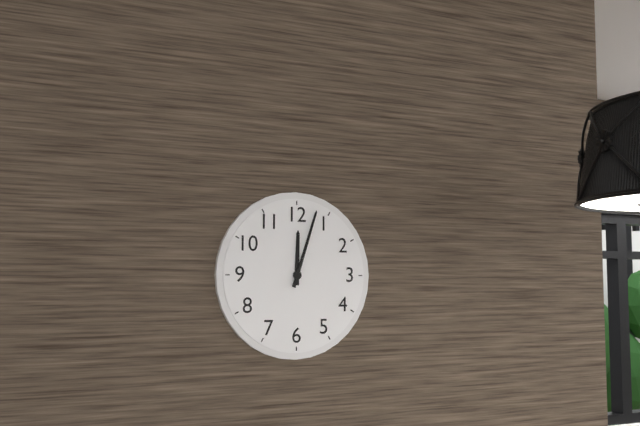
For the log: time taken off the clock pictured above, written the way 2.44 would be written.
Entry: 12.03
